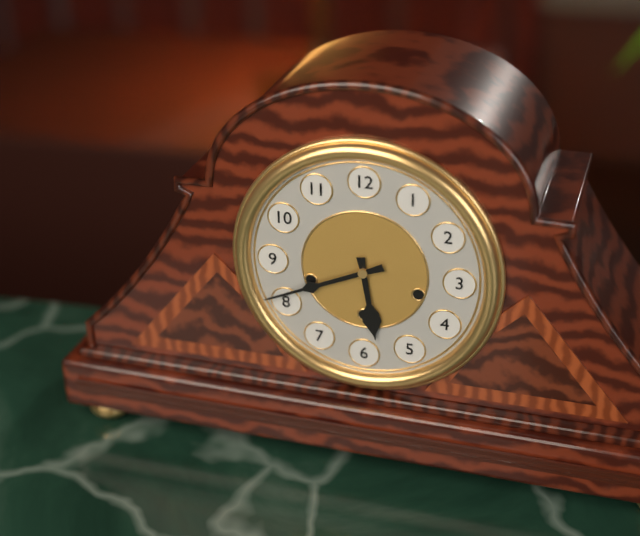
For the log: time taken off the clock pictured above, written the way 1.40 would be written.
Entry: 5.41
